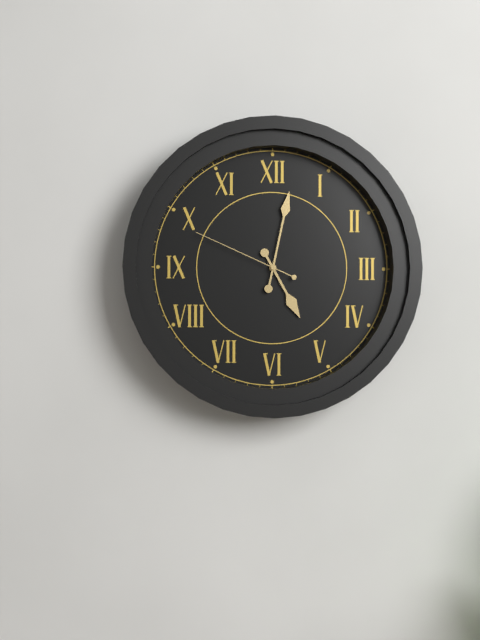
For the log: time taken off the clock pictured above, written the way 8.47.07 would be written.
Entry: 5.02.49
